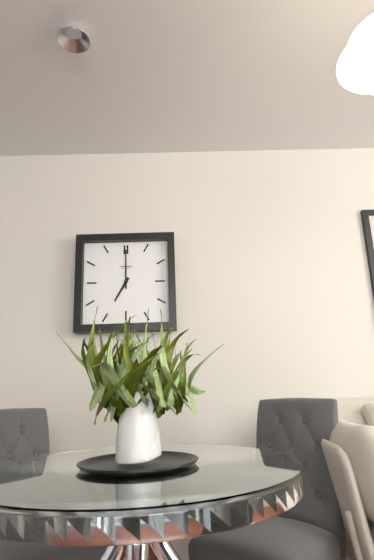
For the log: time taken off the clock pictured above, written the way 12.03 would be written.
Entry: 7.00
